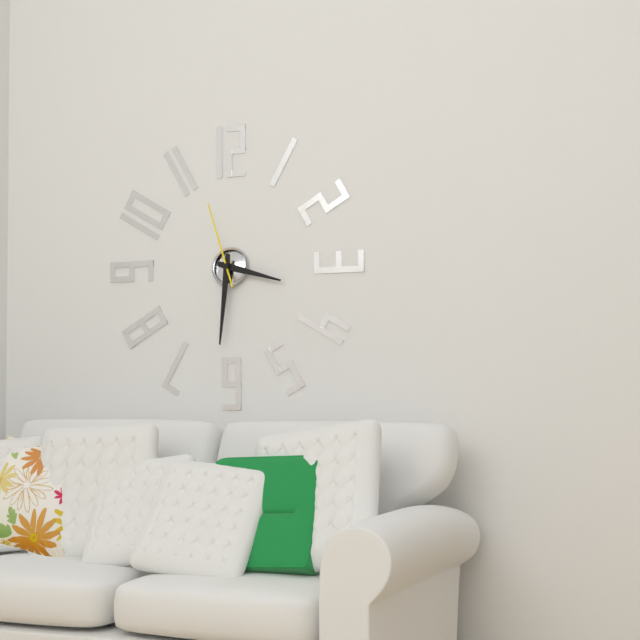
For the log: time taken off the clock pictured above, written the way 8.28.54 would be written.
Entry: 3.31.57
